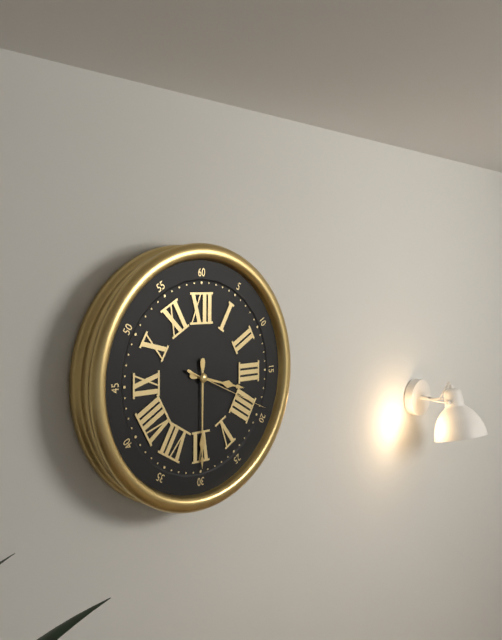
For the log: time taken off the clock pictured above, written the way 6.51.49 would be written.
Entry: 3.30.19
